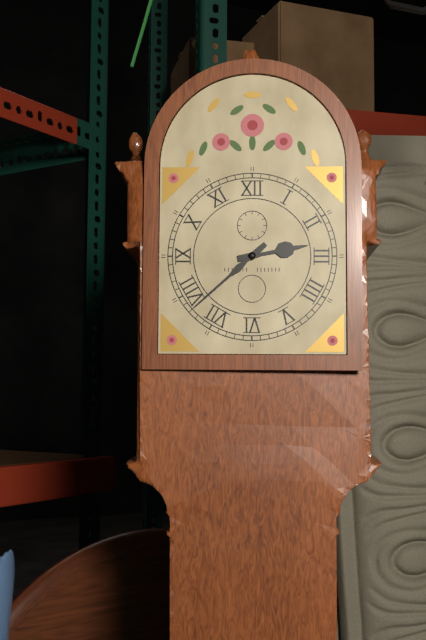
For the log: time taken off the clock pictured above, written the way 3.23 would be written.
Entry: 2.38
